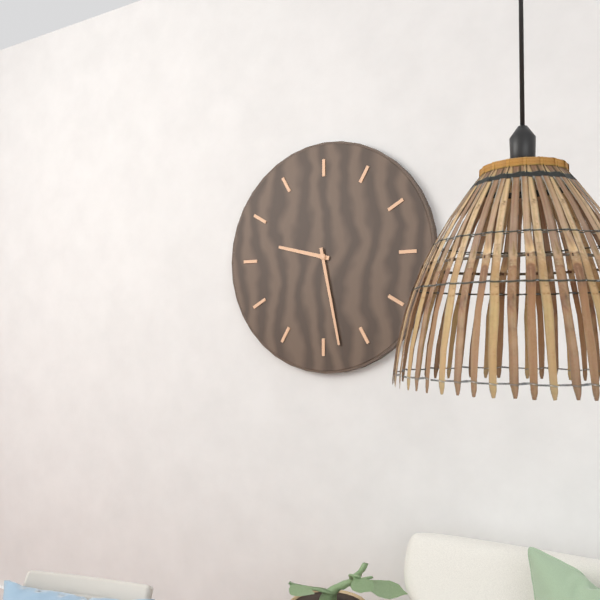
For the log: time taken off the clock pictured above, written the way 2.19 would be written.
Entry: 9.28
